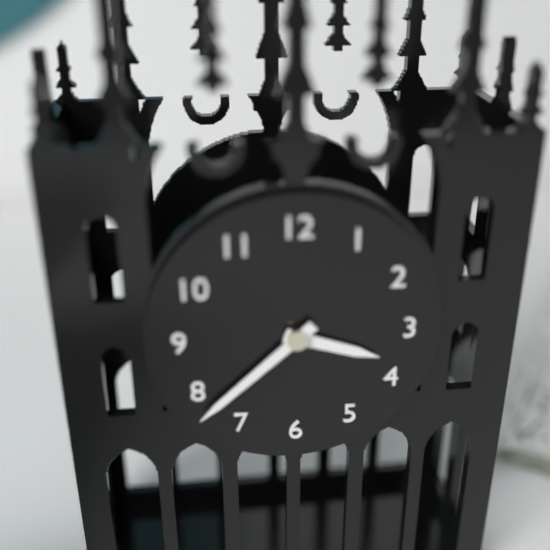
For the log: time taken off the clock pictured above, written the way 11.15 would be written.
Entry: 3.38
